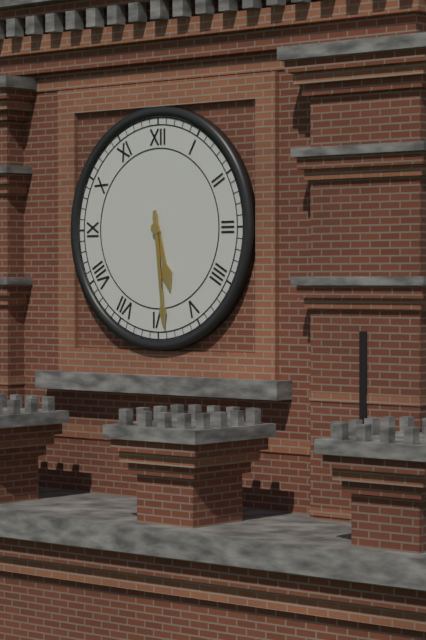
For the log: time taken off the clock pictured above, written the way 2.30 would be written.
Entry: 5.29
